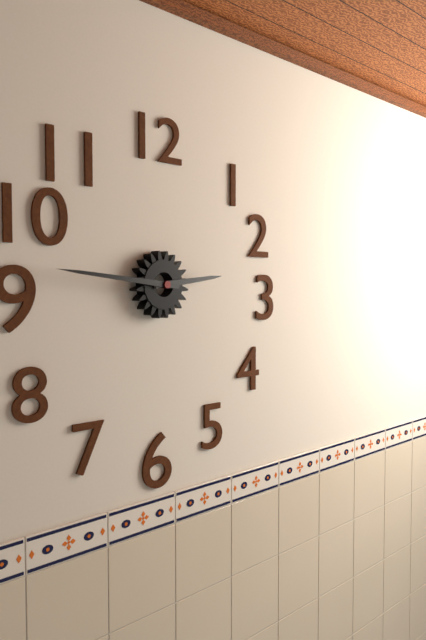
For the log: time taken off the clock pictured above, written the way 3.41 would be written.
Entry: 2.46
